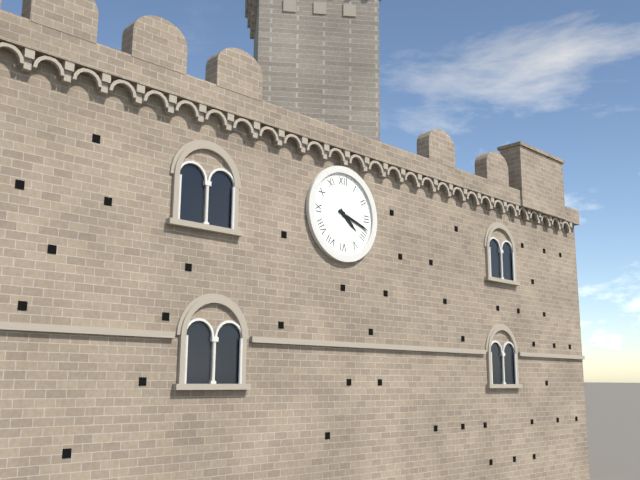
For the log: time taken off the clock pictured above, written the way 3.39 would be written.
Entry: 4.18
